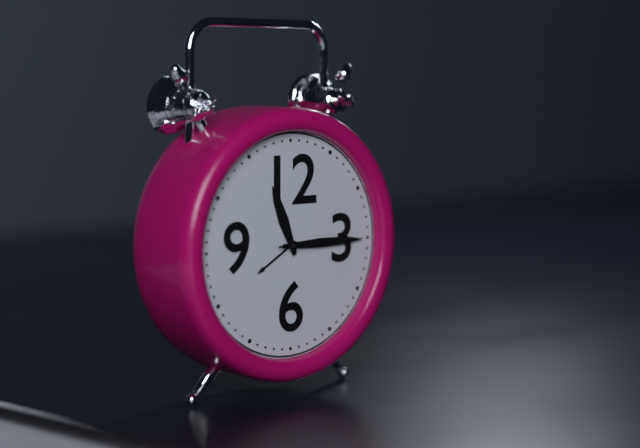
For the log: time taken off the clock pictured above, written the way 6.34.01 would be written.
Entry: 11.15.15
